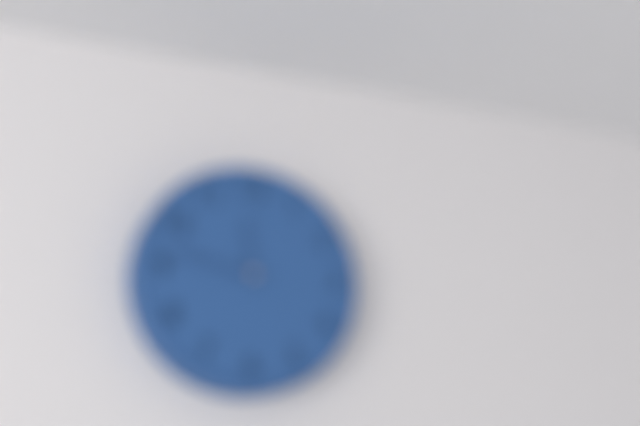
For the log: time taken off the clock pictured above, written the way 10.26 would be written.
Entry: 11.47
